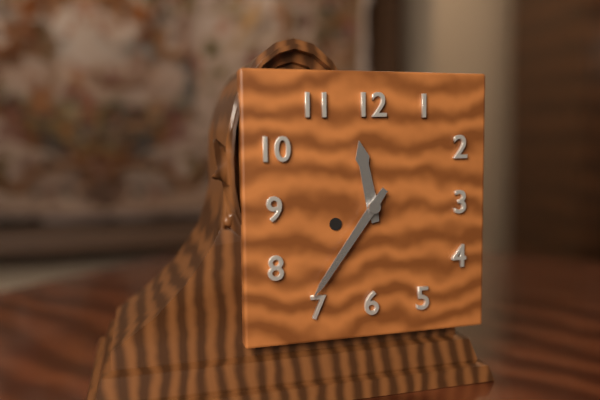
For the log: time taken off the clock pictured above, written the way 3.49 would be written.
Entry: 11.36
